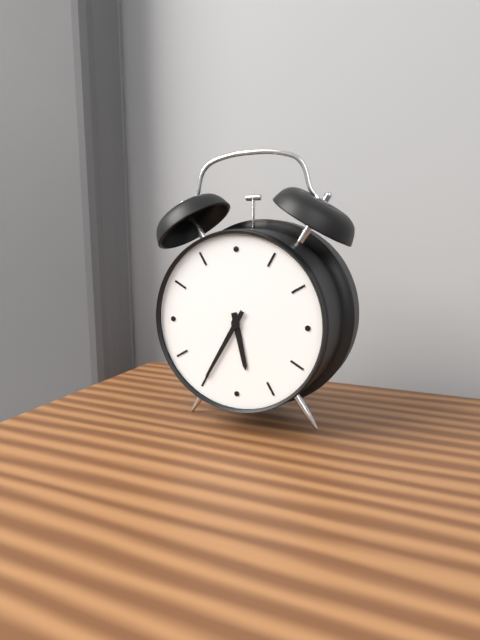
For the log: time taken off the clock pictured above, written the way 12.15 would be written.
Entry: 5.35
